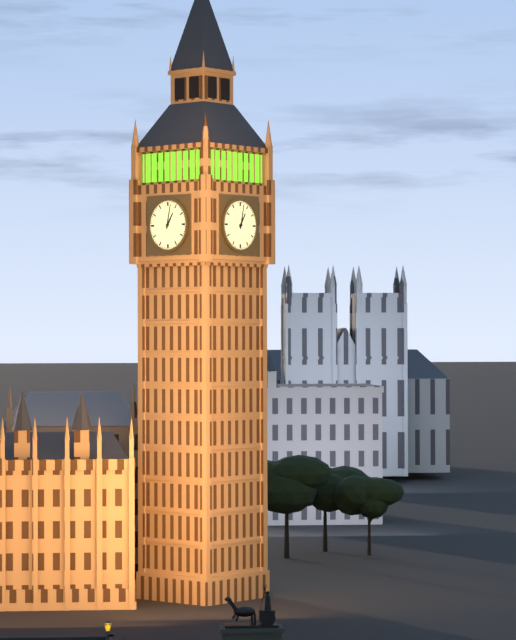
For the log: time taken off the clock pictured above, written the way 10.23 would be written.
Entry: 1.02
